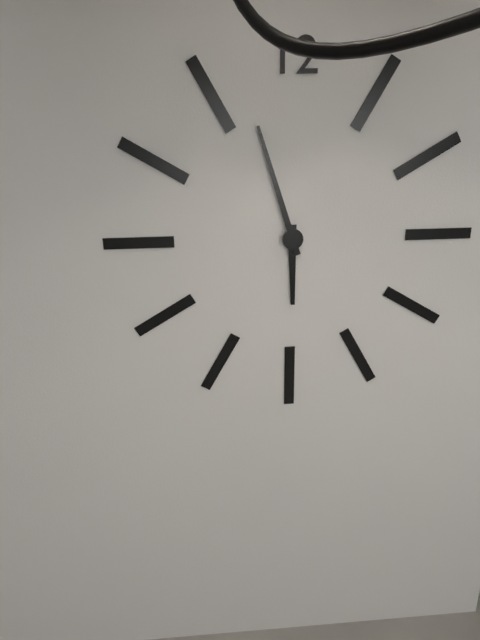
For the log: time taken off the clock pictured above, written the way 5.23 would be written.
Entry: 5.57
